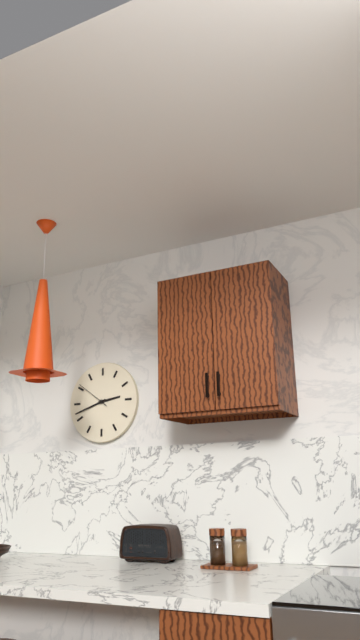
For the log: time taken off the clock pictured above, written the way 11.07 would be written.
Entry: 2.42
